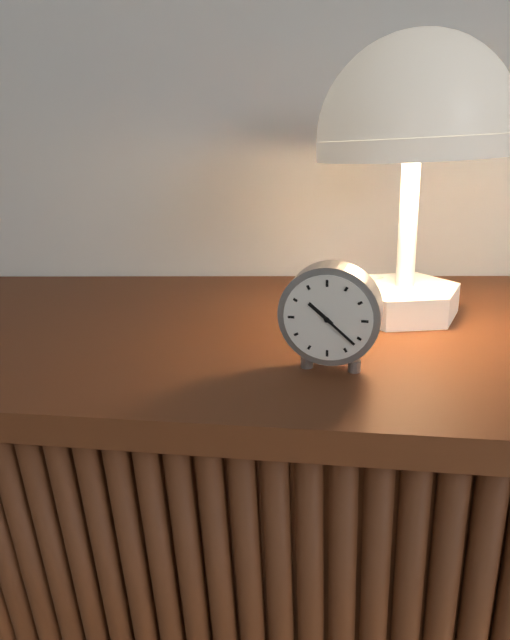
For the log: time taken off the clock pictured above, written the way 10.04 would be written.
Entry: 10.22
